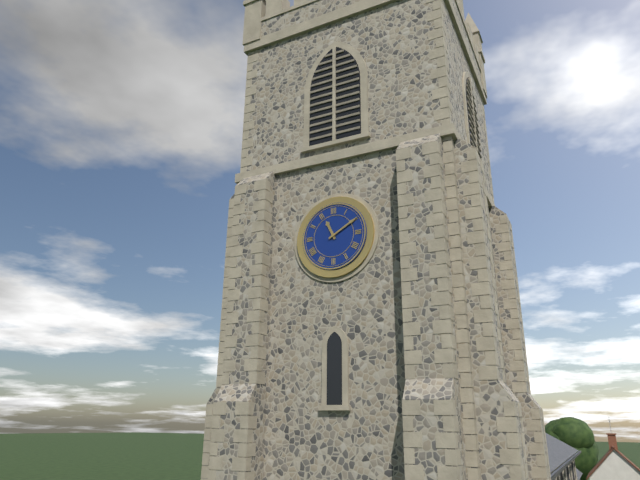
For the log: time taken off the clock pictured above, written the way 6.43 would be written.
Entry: 11.10
